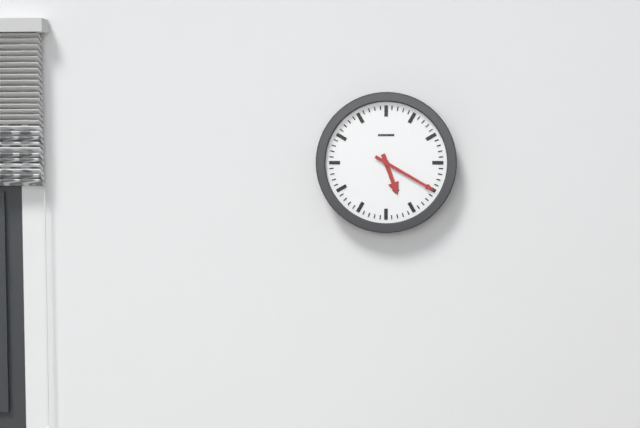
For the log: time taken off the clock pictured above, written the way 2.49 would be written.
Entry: 5.20
